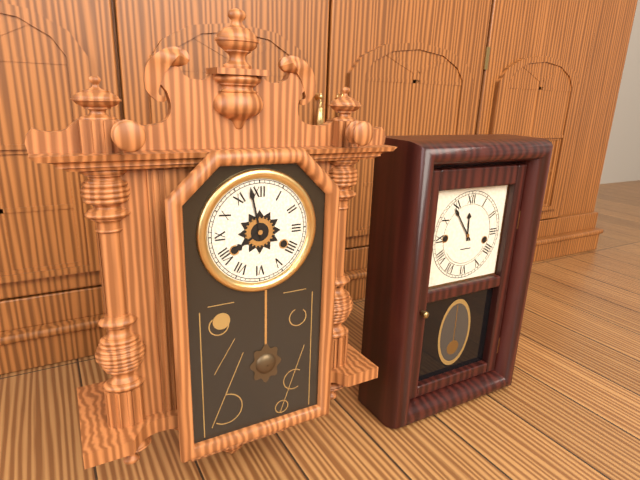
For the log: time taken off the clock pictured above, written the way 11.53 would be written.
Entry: 7.58
